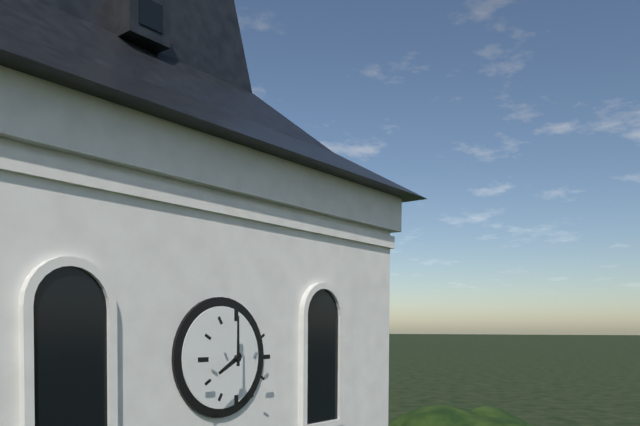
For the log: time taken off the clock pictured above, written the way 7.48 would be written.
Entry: 8.00
